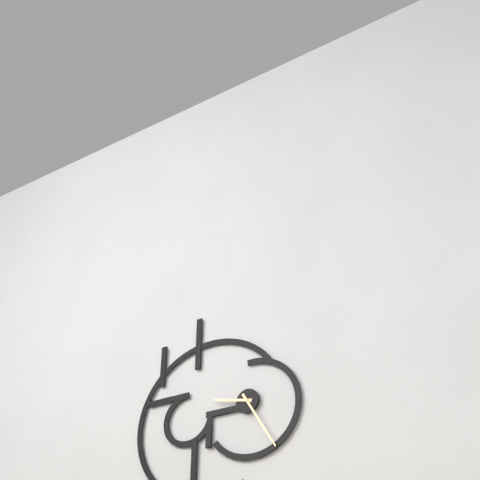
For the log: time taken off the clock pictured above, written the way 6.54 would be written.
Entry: 9.25
